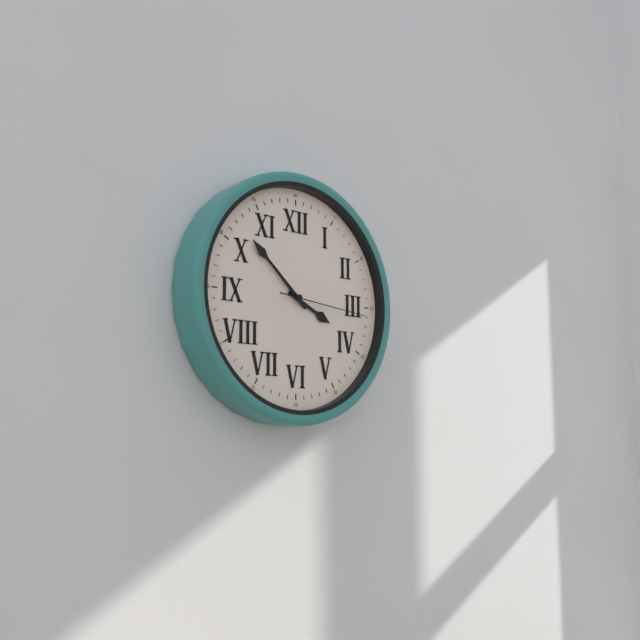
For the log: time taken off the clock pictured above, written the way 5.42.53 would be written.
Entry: 3.52.16
